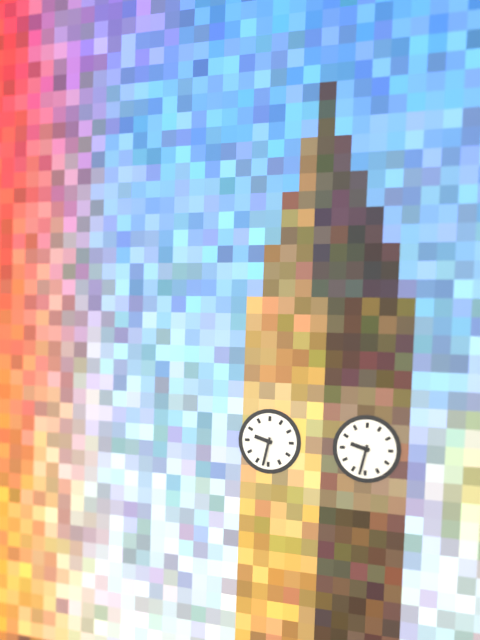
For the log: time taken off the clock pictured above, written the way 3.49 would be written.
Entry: 9.32
